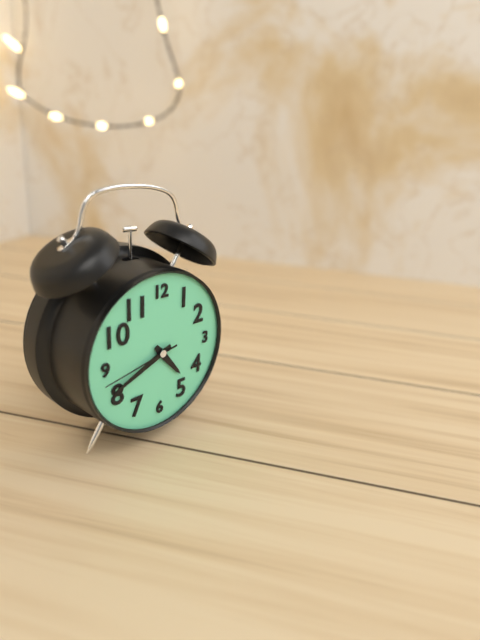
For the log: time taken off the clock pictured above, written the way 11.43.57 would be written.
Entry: 4.41.43
